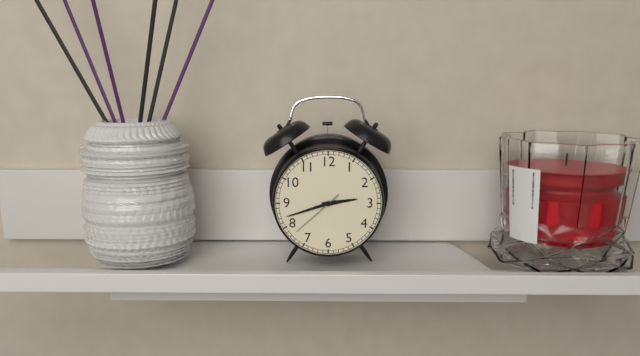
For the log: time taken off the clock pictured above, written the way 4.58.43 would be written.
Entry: 2.42.38
